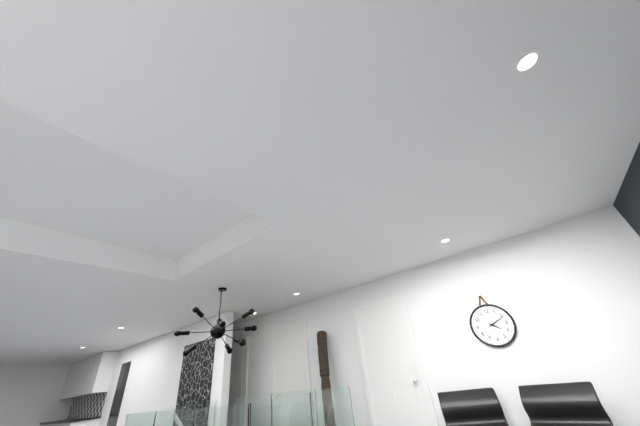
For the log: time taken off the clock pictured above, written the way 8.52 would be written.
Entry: 4.11
